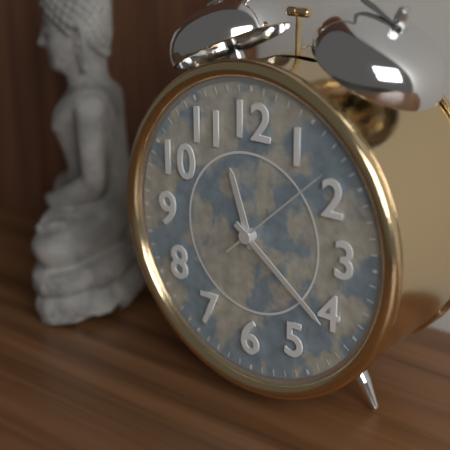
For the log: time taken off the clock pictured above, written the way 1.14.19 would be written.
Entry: 11.21.08
